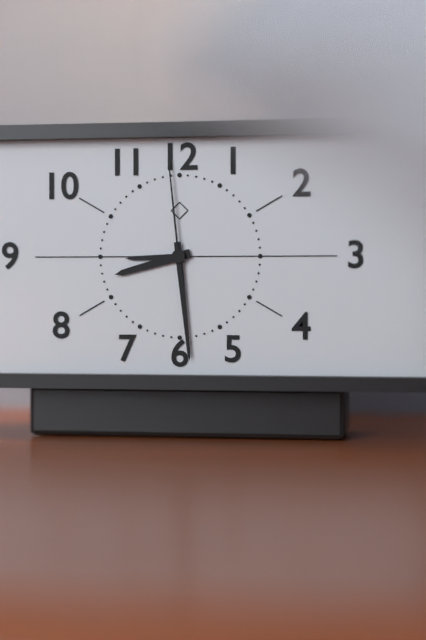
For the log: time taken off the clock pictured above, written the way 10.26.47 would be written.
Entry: 8.29.59
